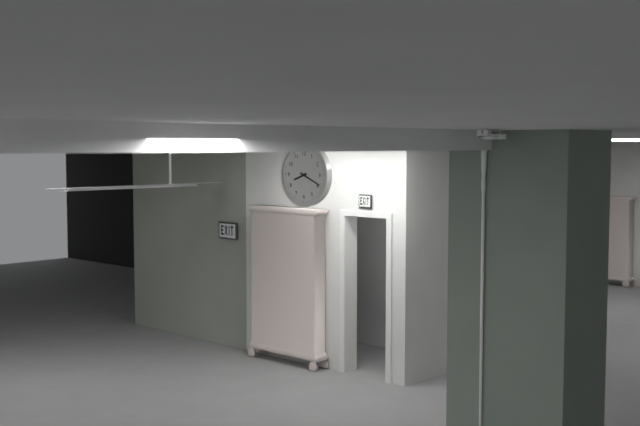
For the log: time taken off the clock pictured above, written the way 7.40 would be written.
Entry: 8.19
